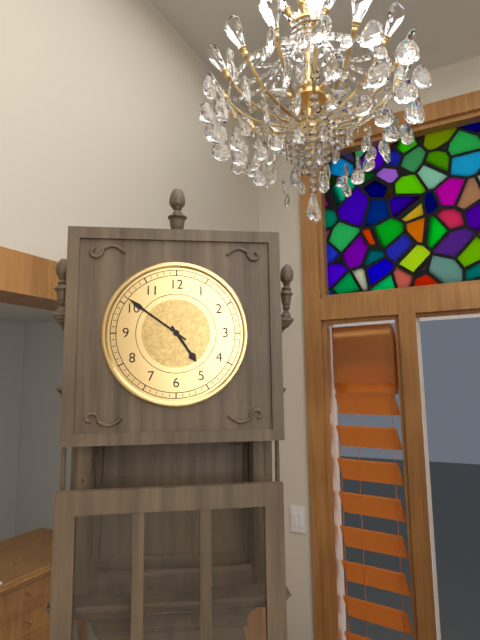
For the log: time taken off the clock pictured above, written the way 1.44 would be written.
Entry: 4.51
